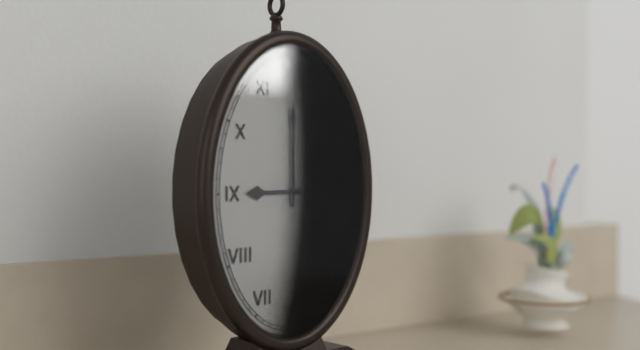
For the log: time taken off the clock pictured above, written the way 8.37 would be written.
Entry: 9.00
